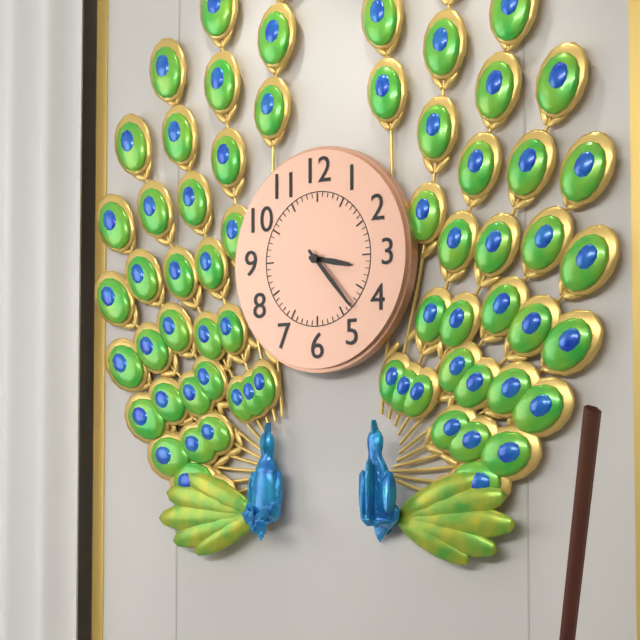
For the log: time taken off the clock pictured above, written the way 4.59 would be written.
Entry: 3.23
